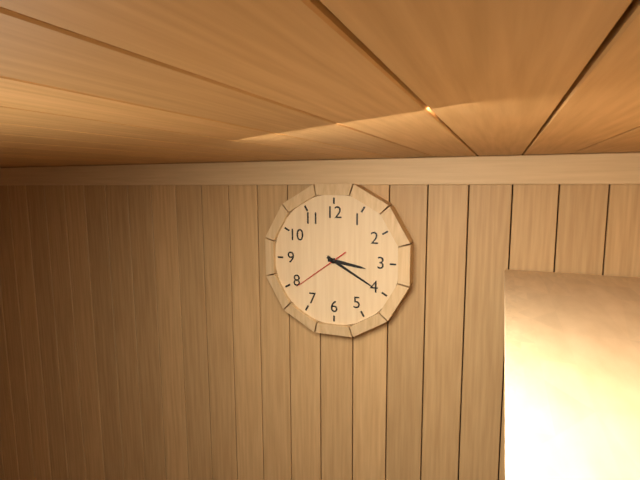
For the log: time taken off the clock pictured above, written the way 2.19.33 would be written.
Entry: 3.20.39
